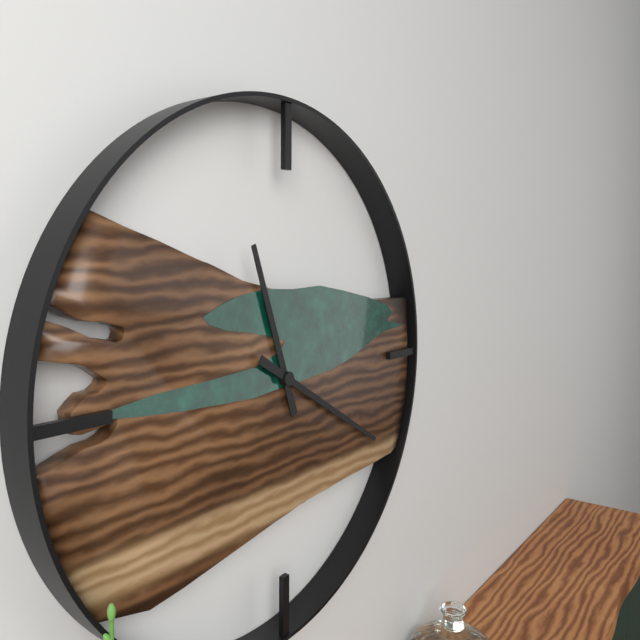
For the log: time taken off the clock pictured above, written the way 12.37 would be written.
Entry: 11.20
